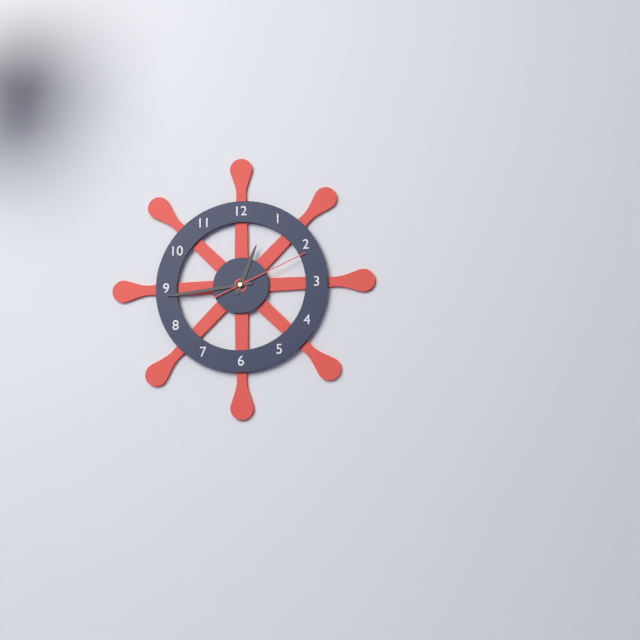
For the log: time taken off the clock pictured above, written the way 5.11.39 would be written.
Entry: 12.44.11
